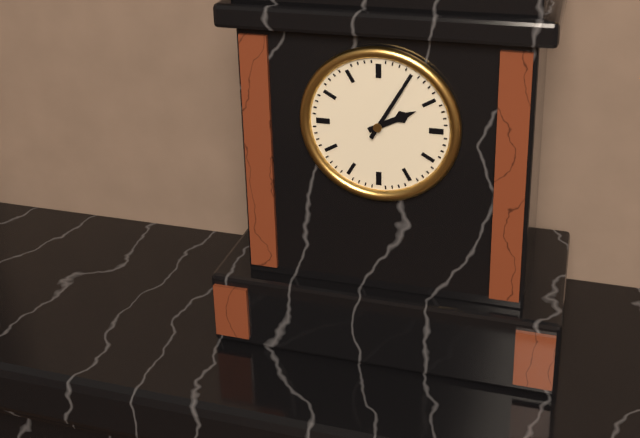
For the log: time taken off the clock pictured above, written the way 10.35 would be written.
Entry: 2.05
